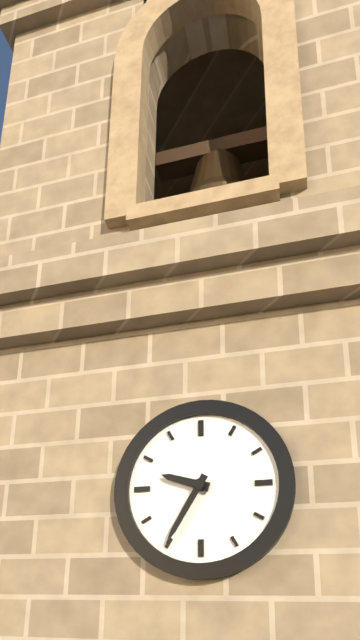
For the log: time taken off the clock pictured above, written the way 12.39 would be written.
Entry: 9.35
